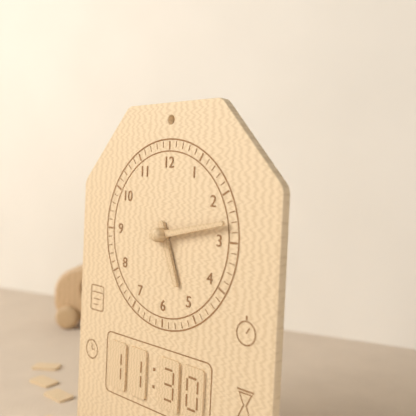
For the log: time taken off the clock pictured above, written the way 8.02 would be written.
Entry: 5.13
